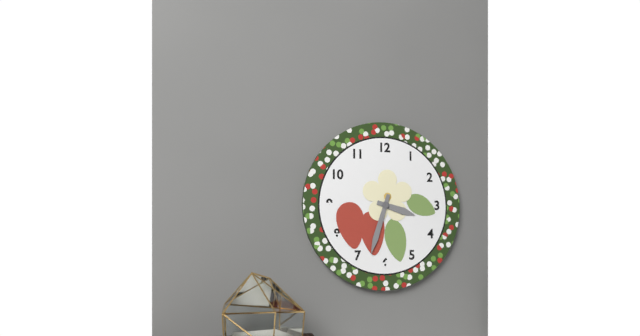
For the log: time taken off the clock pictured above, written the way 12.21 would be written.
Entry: 3.33
